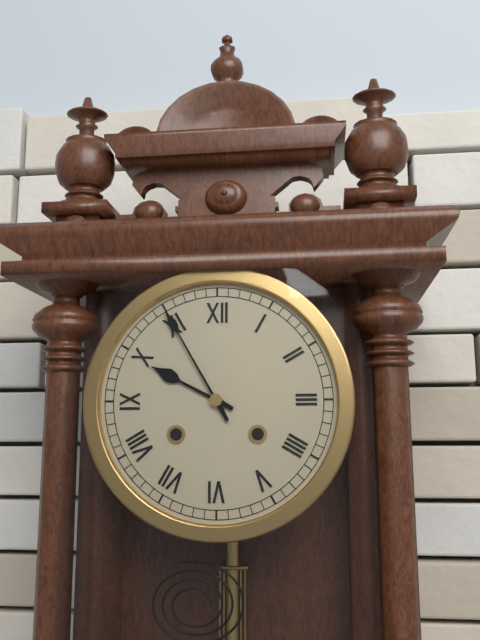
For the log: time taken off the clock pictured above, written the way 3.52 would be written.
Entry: 9.55
